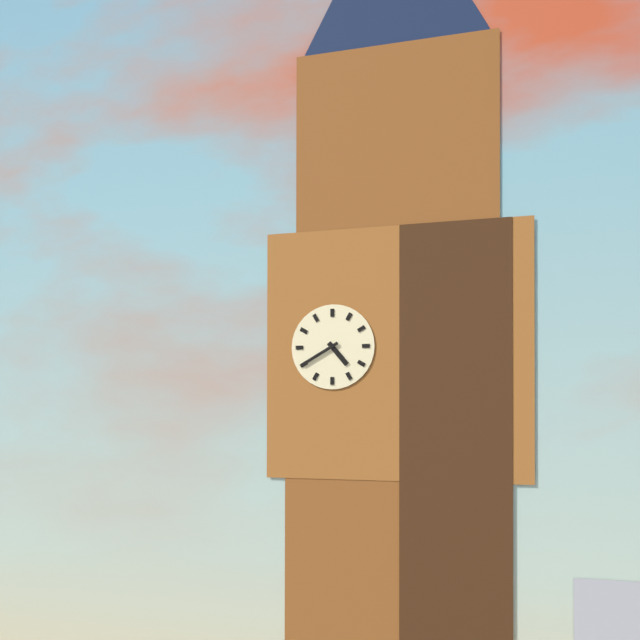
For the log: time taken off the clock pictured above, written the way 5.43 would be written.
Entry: 4.40
